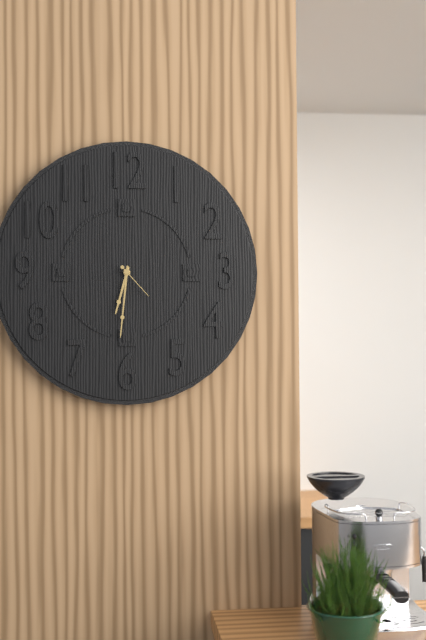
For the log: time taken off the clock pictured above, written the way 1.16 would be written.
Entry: 6.31
